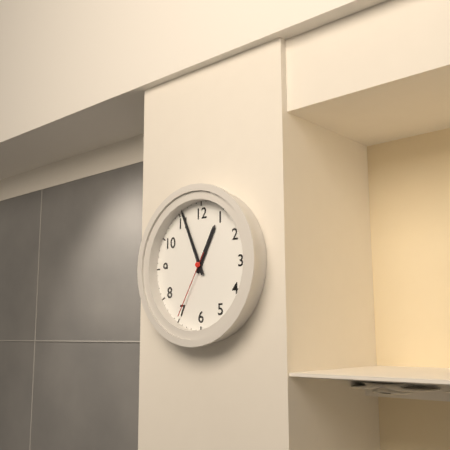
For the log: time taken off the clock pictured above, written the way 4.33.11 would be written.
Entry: 12.56.35
